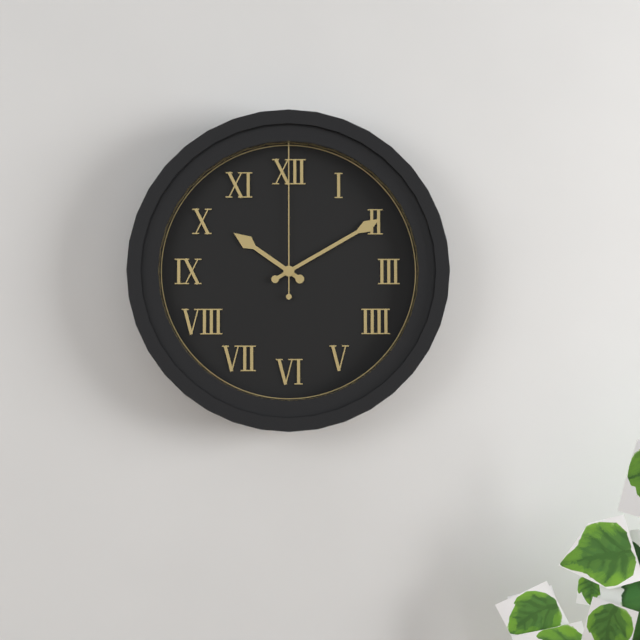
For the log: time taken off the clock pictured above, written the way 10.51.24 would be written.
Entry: 10.10.00
